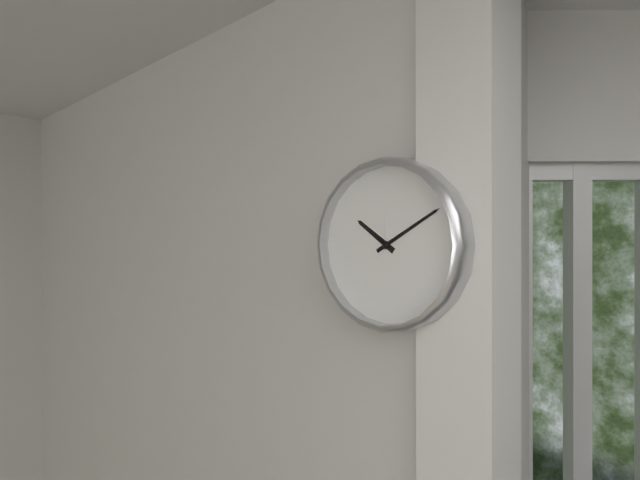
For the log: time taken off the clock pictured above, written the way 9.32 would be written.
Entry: 10.10
